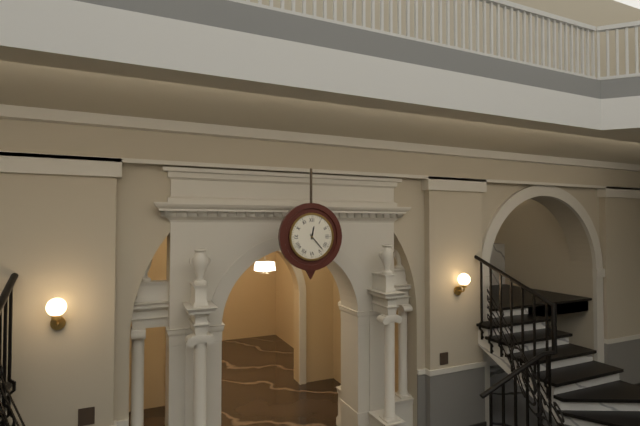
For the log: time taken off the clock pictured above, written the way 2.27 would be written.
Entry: 12.23
